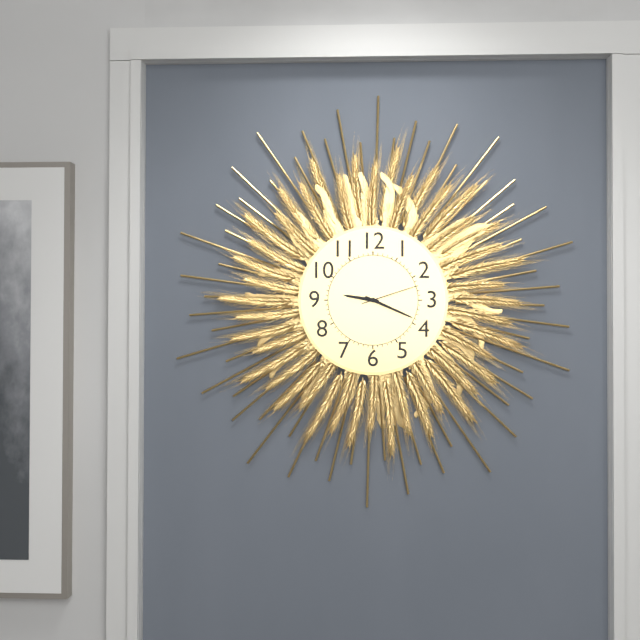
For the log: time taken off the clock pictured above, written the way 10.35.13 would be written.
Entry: 9.19.12
